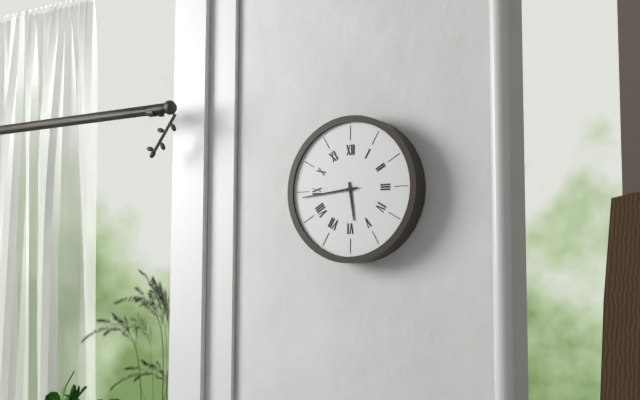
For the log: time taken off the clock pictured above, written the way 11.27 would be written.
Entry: 5.44
